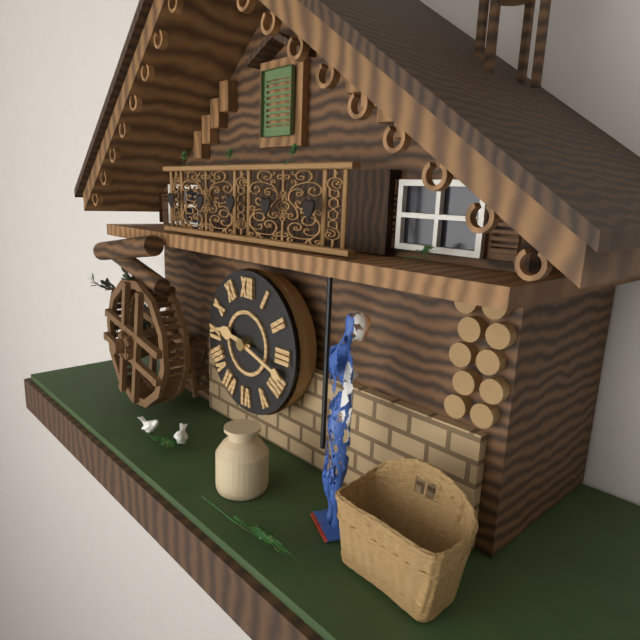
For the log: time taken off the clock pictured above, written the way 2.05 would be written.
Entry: 9.18
